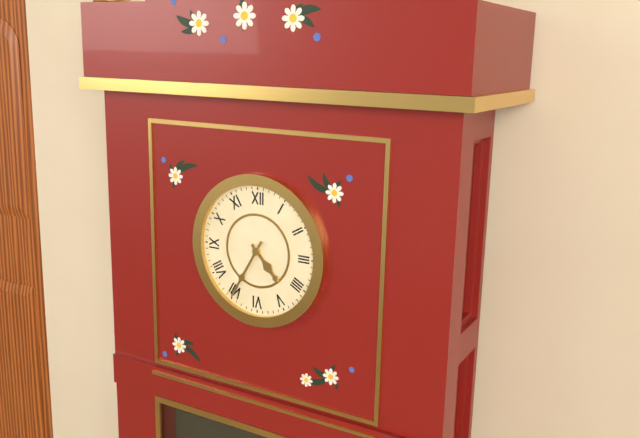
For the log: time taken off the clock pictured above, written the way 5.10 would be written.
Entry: 4.35
